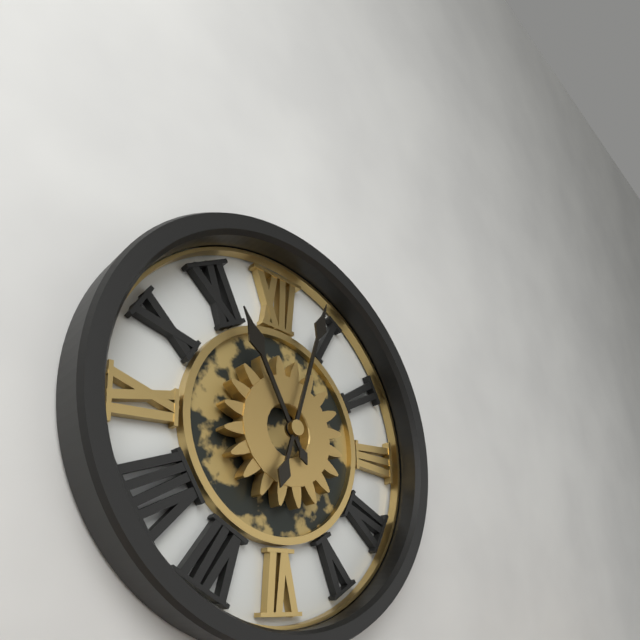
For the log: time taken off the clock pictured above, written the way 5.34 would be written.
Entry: 11.03
